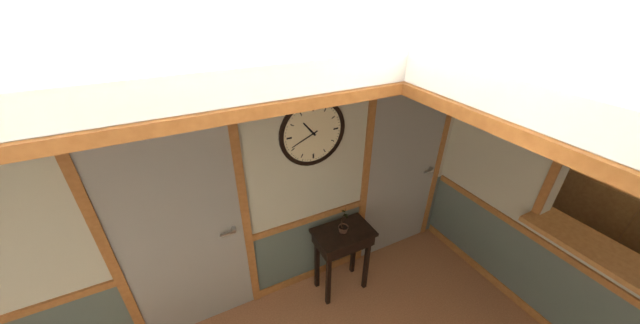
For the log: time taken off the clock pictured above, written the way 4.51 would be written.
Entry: 10.41
